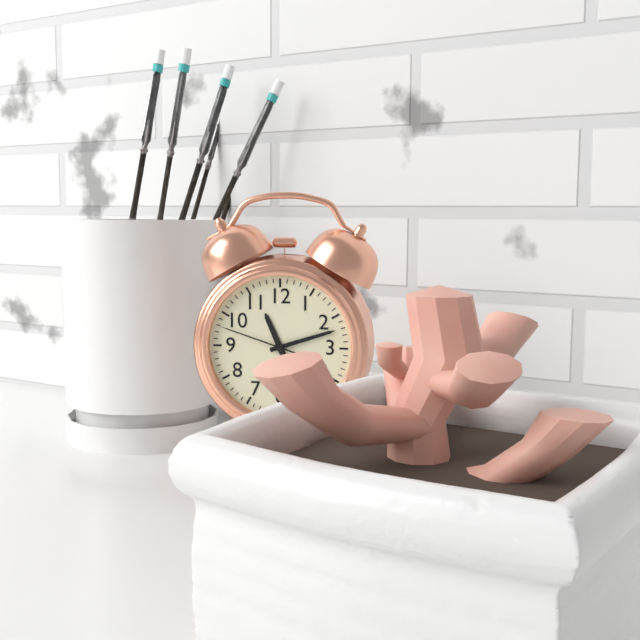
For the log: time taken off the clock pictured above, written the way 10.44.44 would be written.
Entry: 11.12.48
